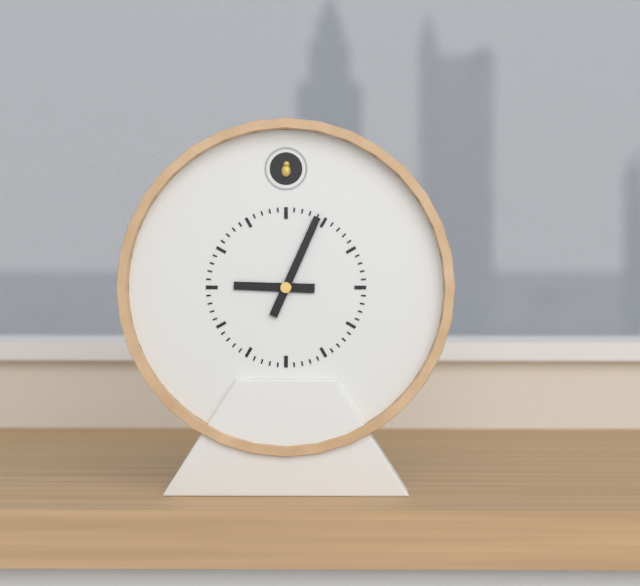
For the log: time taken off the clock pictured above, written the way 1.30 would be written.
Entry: 9.04
